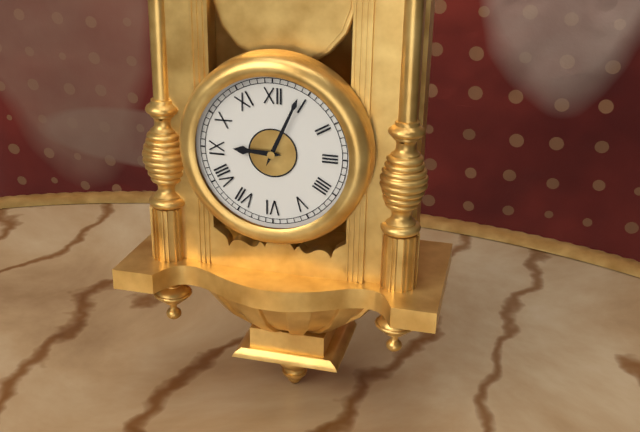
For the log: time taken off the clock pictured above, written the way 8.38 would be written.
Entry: 9.04
